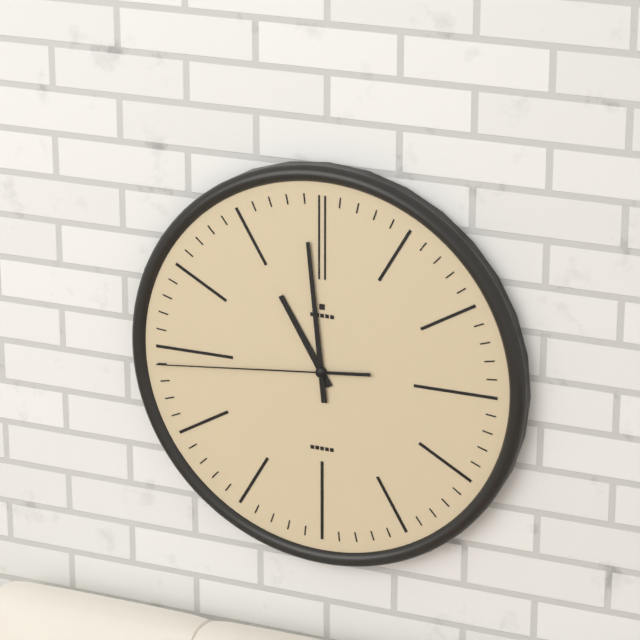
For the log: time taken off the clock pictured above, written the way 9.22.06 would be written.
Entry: 10.59.44
